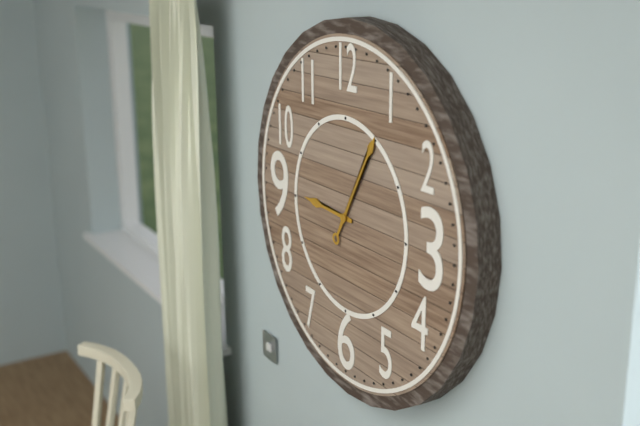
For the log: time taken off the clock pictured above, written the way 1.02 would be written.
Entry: 9.05
